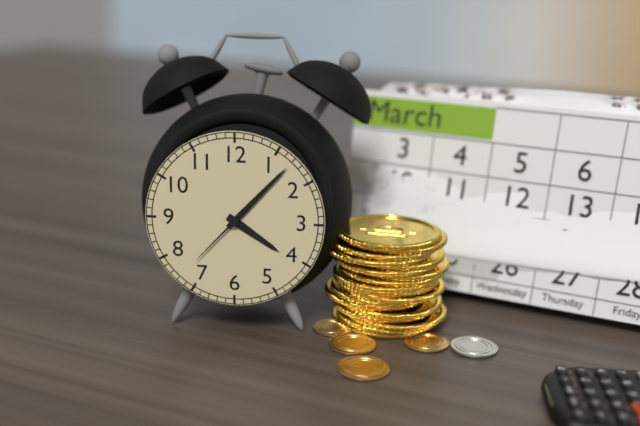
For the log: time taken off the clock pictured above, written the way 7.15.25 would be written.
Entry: 4.07.37
